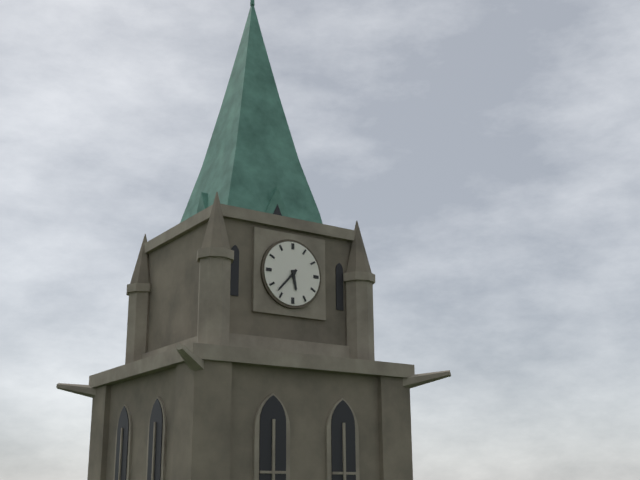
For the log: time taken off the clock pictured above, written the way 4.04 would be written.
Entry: 5.37
